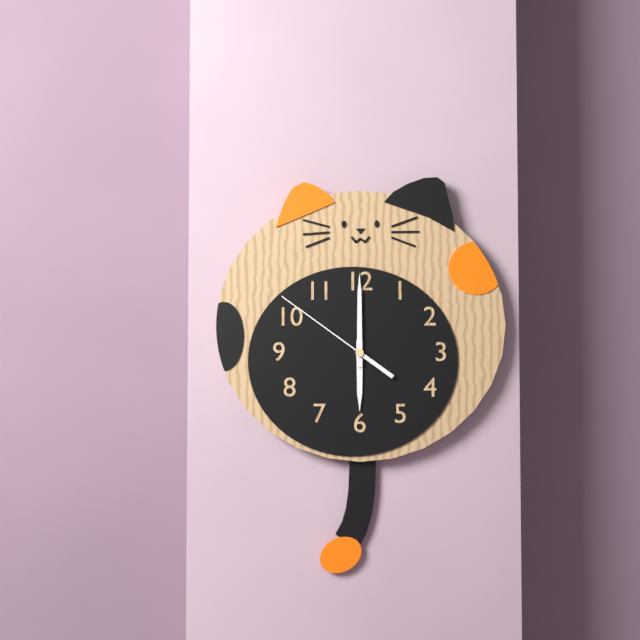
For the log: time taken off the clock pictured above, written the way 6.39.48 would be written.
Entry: 6.00.51
